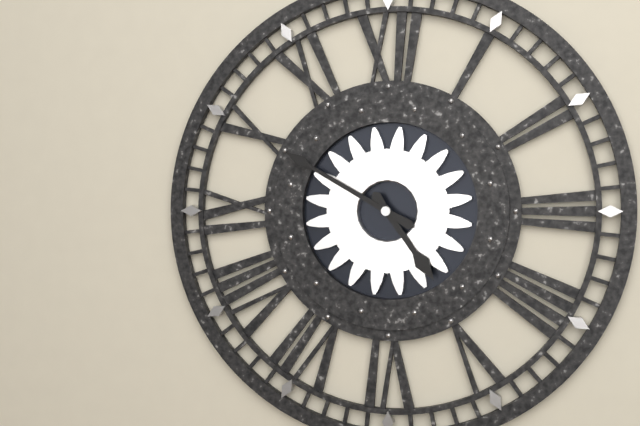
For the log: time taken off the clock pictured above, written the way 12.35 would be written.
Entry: 4.50
